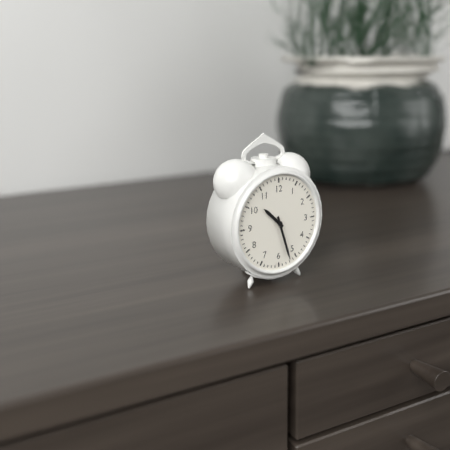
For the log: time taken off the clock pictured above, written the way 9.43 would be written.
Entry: 10.27
